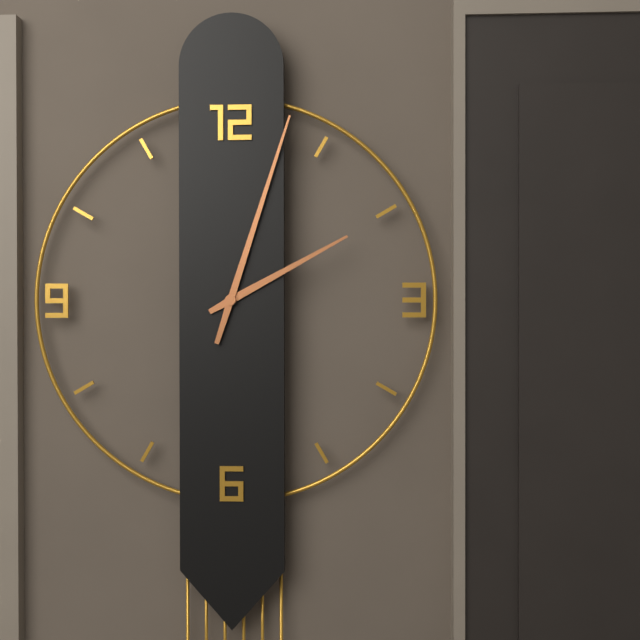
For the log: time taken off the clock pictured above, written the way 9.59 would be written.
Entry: 2.03
